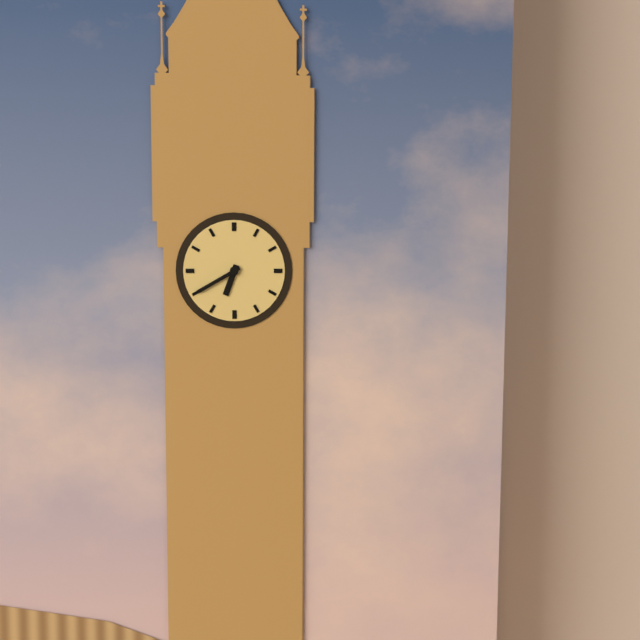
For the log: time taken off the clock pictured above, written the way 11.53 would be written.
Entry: 6.40
